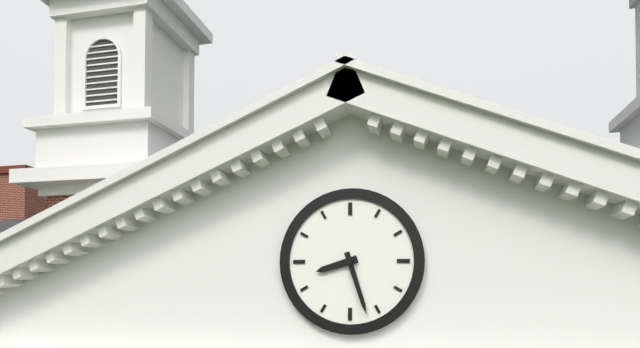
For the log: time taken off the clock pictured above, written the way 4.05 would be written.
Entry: 8.27
